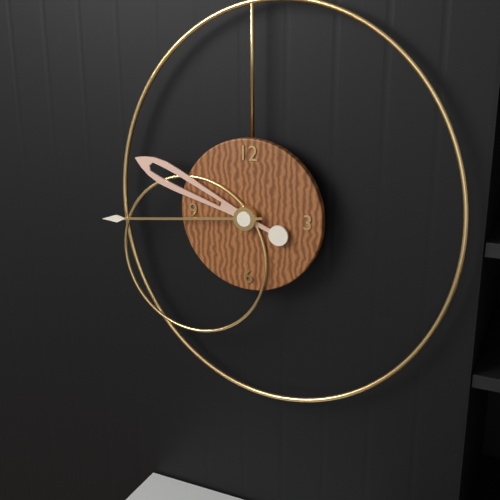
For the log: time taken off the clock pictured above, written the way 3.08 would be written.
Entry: 9.44
